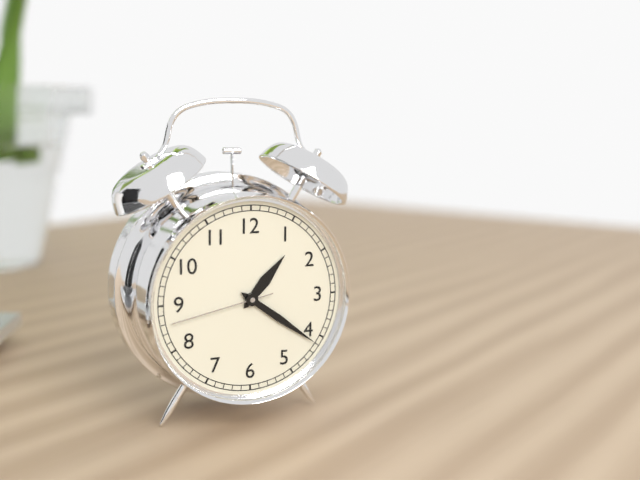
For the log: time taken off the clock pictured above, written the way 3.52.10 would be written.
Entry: 1.21.43
